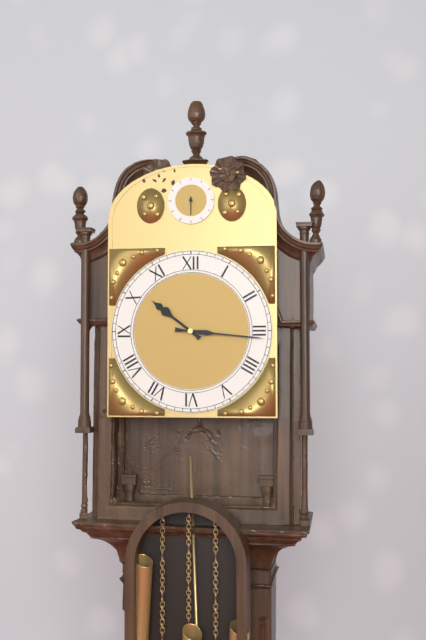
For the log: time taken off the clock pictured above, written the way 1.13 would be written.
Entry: 10.16
